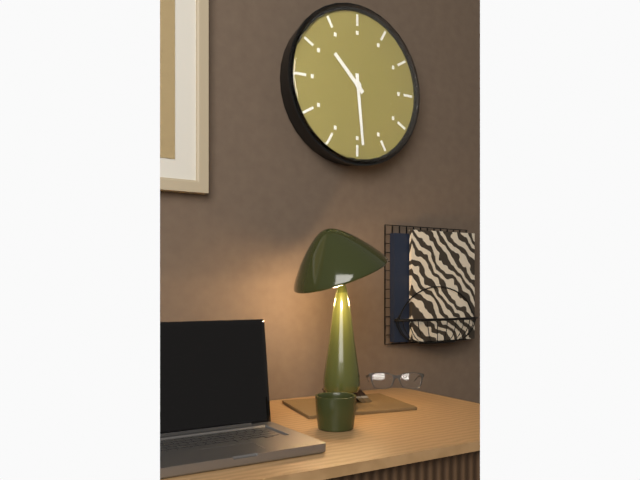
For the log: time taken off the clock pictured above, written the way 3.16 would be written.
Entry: 10.29
